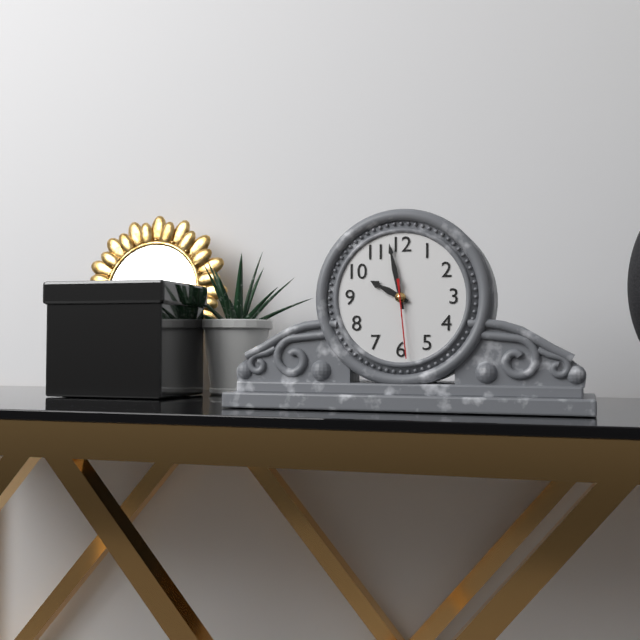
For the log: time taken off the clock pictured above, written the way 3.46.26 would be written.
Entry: 9.58.29
